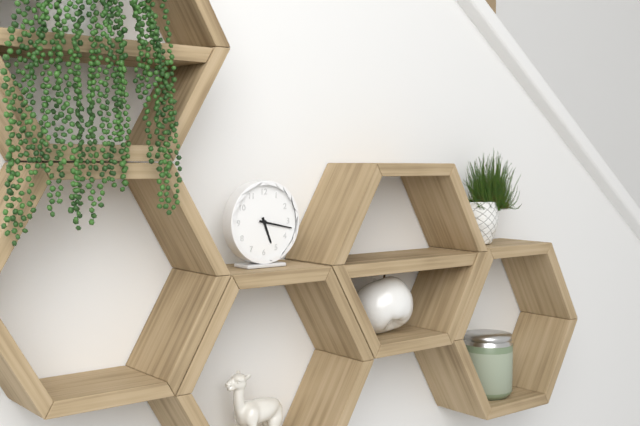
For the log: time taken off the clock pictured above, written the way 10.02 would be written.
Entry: 5.17
